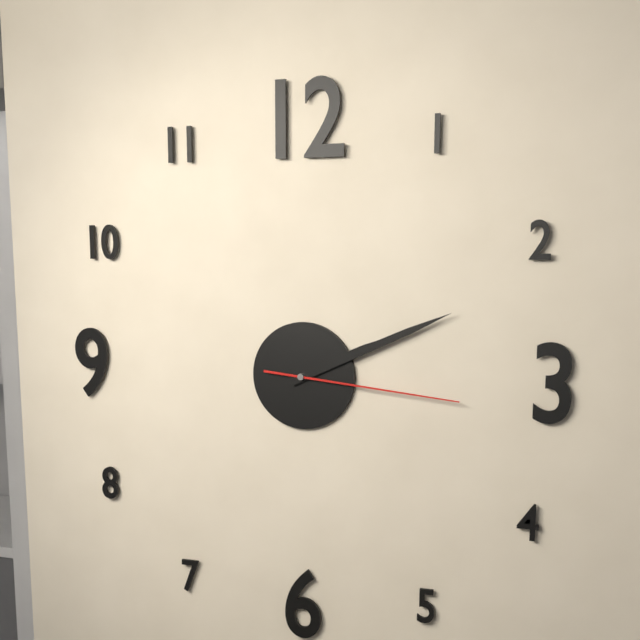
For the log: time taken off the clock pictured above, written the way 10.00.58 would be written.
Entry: 2.11.16
